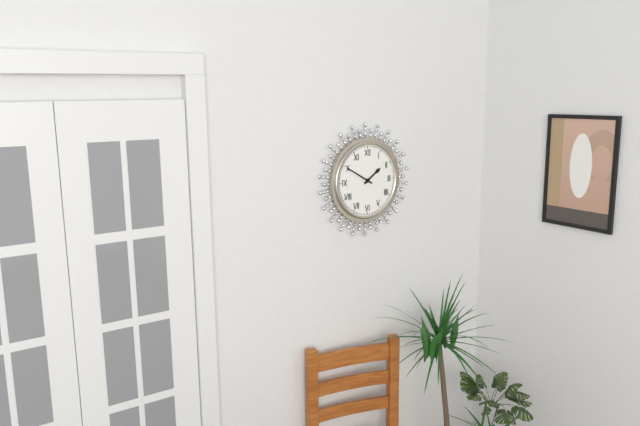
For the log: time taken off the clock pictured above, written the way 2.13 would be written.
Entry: 1.50
